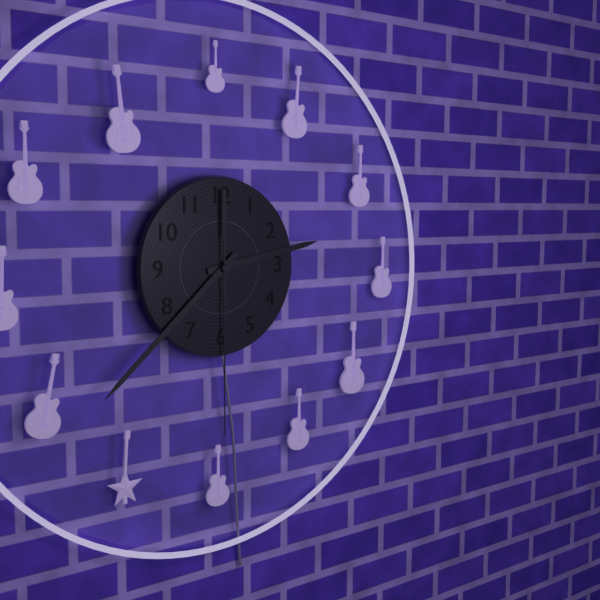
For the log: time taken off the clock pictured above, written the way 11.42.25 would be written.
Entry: 2.38.30
